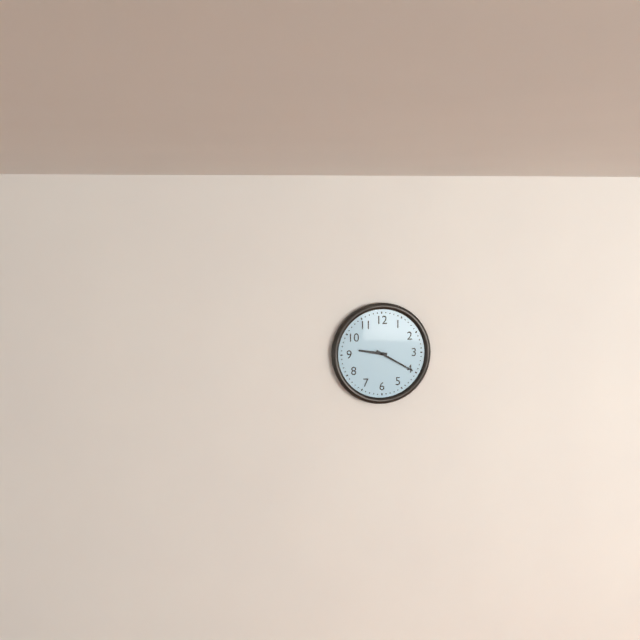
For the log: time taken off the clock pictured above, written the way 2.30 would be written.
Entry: 9.20
